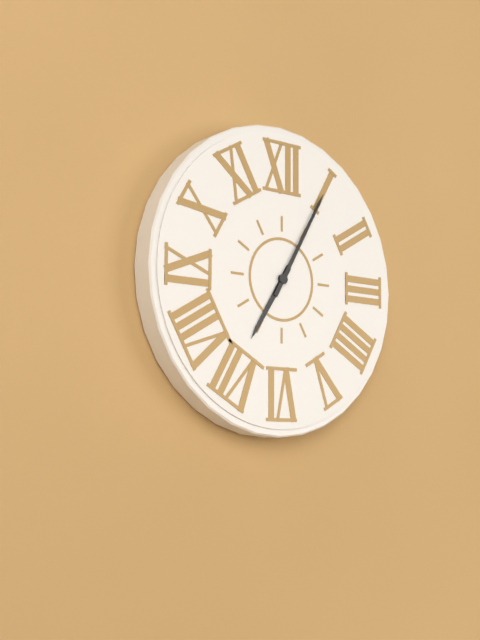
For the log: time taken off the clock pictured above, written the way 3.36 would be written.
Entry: 7.05
